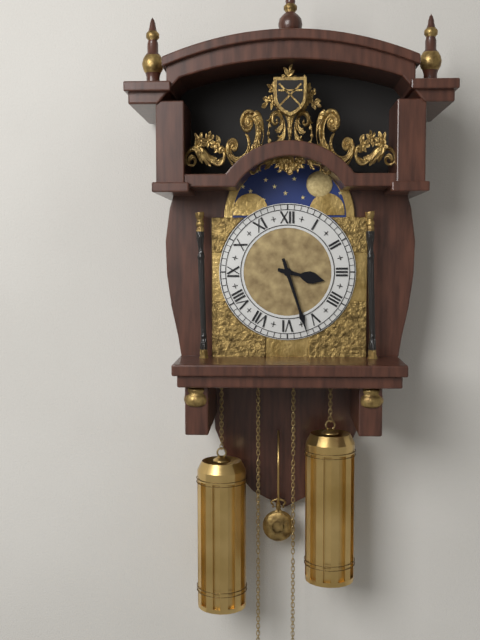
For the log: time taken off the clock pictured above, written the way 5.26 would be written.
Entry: 3.27
